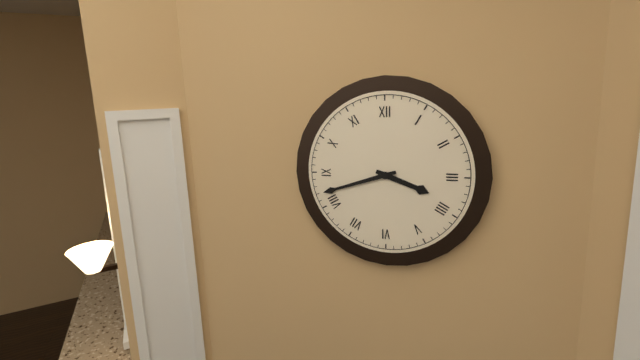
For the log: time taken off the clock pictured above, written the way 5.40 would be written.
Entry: 3.42
